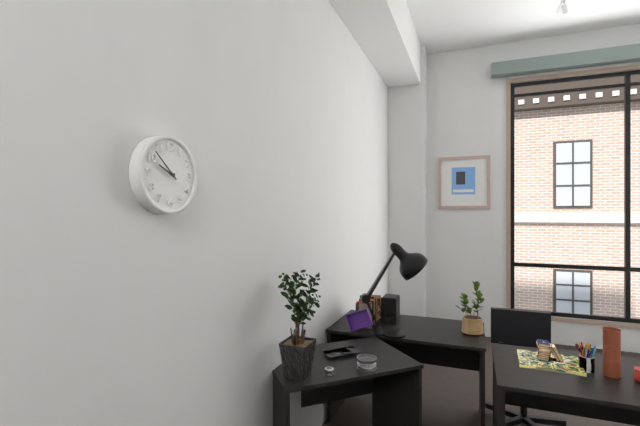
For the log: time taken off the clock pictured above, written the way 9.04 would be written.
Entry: 9.52
